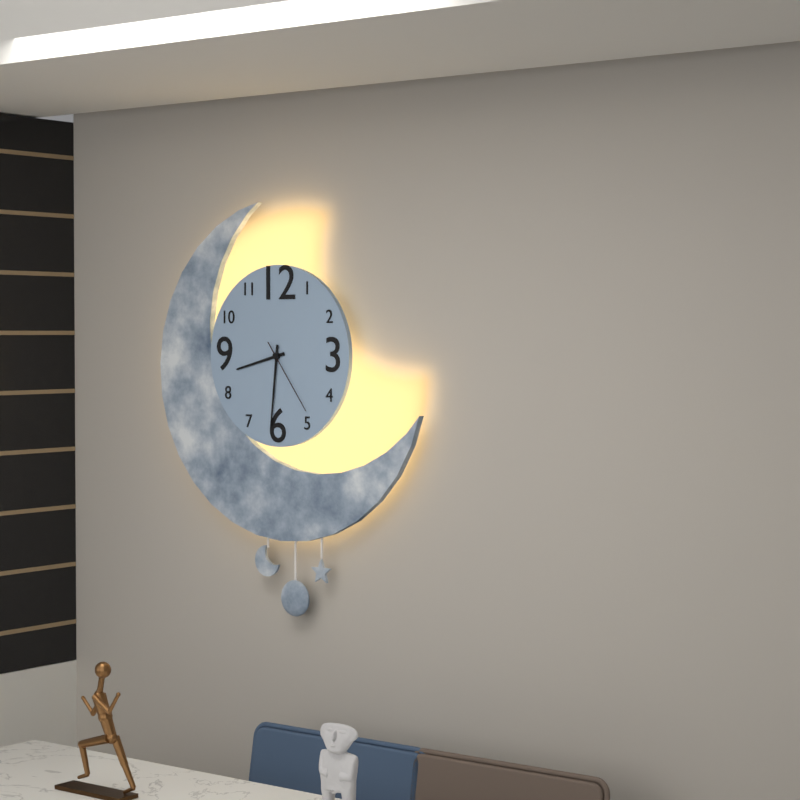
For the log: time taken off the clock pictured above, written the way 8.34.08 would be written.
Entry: 8.31.24
